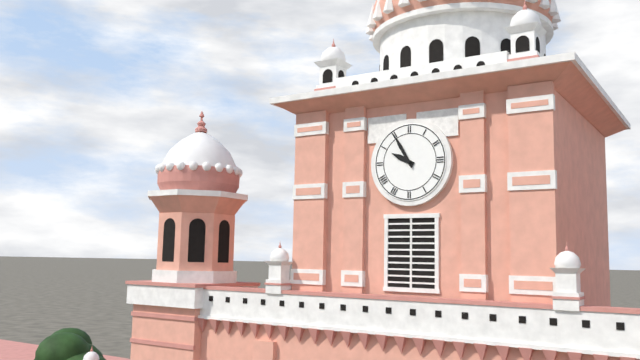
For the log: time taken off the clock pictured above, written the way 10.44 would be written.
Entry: 9.55
